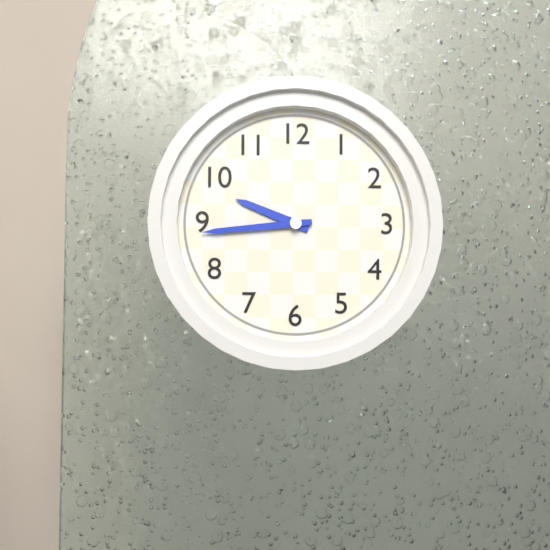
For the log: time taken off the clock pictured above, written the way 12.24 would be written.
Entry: 9.44
